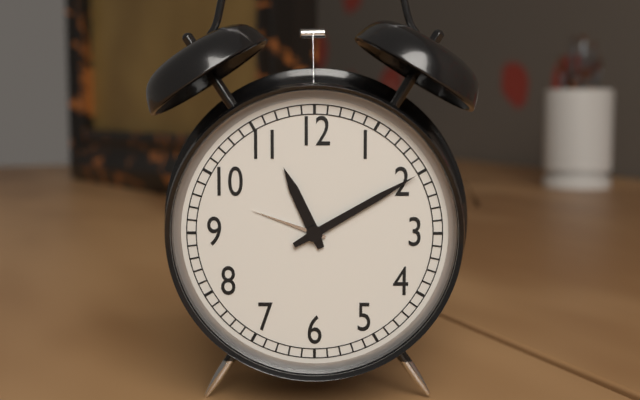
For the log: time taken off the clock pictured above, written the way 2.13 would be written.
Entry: 11.10
